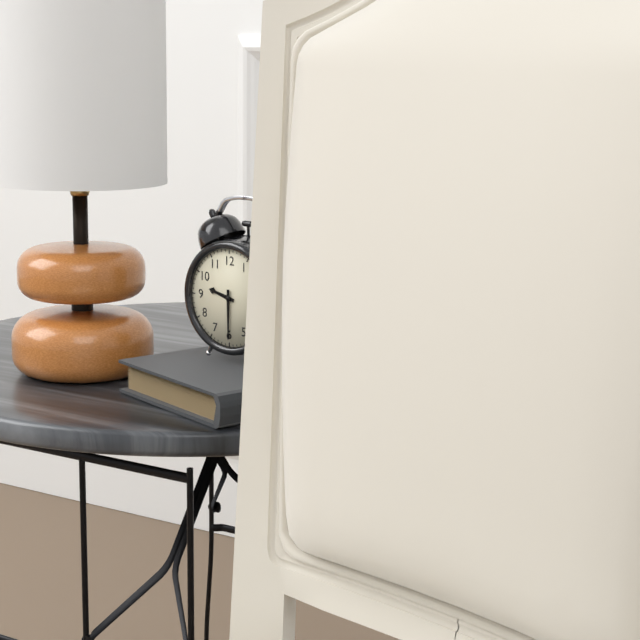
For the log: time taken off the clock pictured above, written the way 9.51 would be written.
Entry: 9.30
